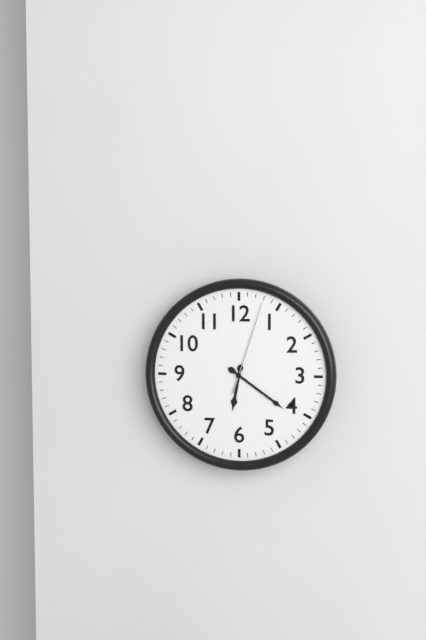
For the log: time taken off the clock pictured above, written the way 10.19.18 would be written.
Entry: 6.21.03
